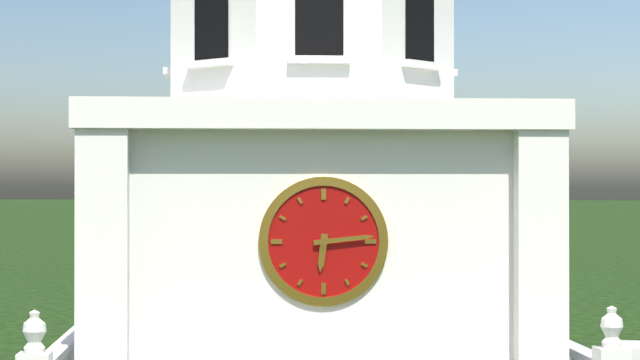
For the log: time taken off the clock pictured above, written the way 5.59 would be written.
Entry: 6.14
